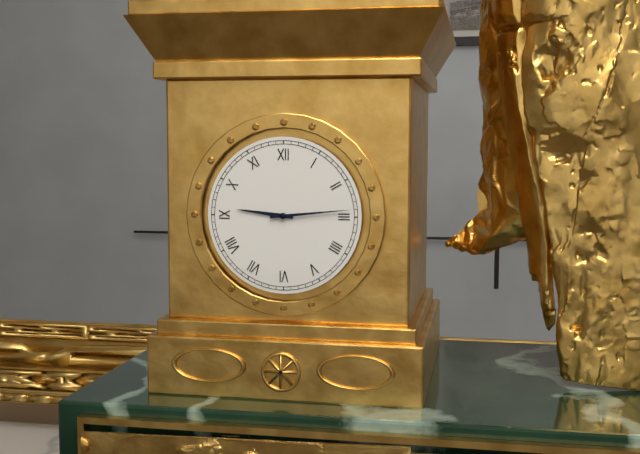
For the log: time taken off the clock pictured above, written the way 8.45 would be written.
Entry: 9.14
